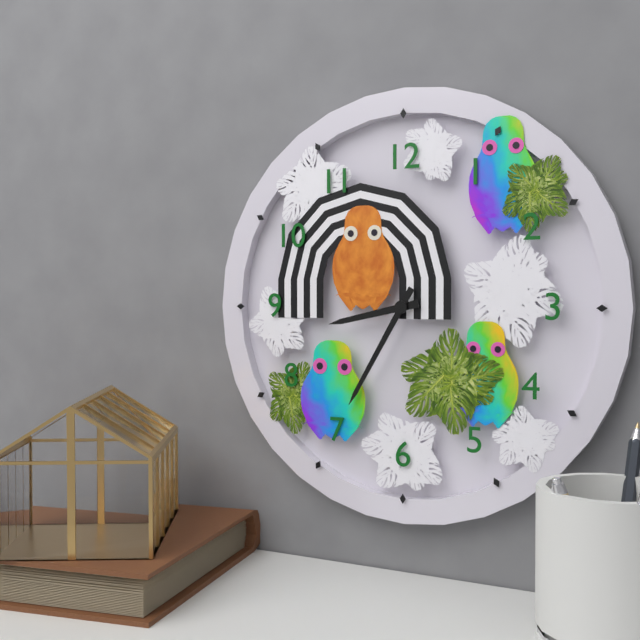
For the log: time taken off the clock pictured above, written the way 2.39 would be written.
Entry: 8.35
